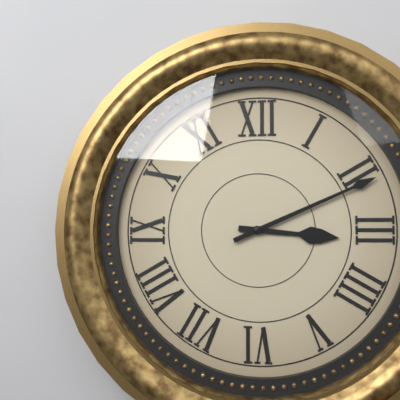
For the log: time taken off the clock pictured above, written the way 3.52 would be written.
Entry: 3.11
